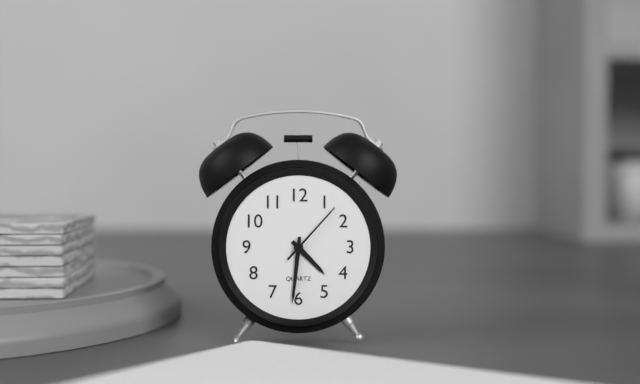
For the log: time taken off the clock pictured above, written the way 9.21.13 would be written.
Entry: 4.31.07
